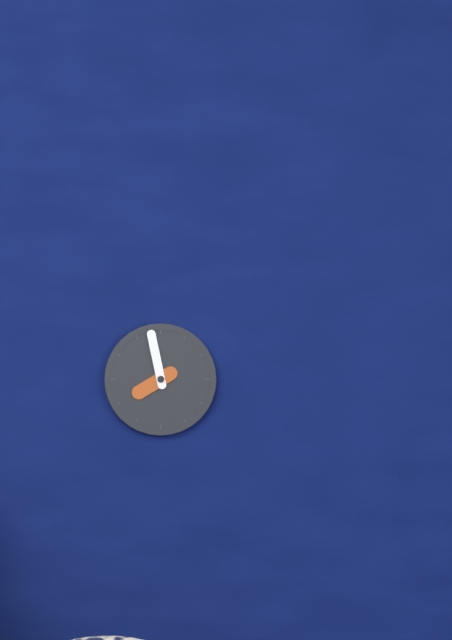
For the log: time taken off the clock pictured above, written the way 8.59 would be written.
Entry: 7.58
